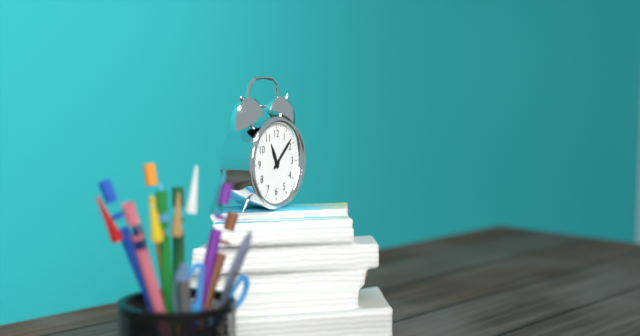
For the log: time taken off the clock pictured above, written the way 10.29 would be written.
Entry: 11.08
